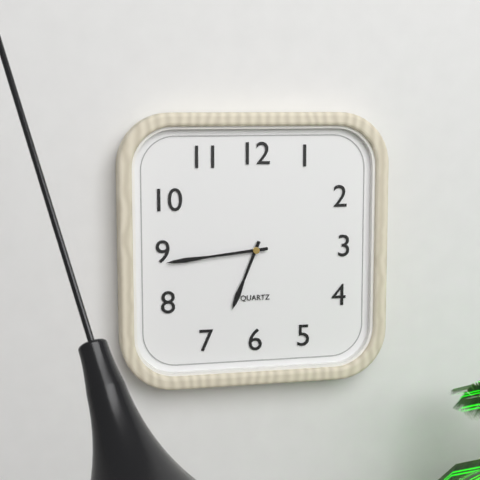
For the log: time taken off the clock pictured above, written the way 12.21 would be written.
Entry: 6.44
